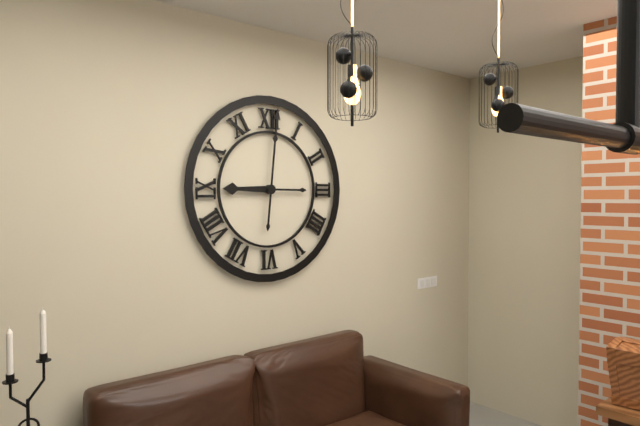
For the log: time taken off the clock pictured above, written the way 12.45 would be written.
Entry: 9.01
